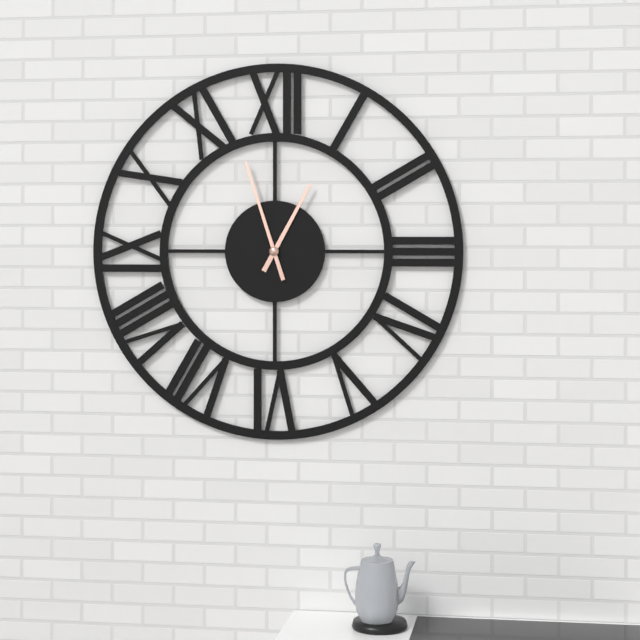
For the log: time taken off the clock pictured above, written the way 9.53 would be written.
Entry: 12.57
